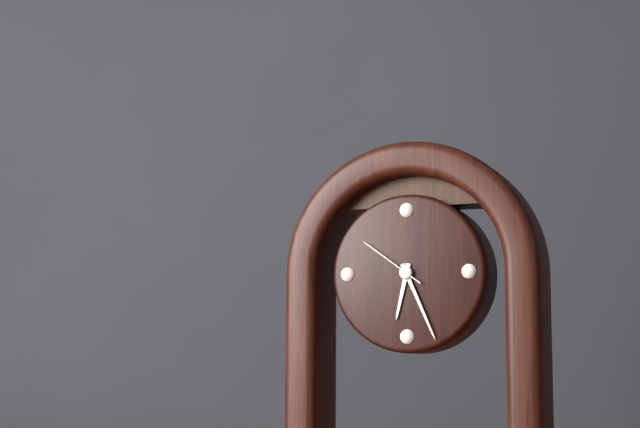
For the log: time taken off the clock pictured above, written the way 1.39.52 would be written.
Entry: 6.26.51
